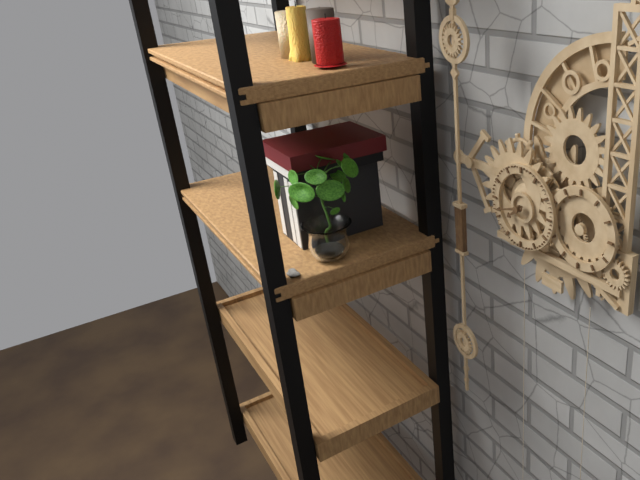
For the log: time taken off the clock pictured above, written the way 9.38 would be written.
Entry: 7.42
